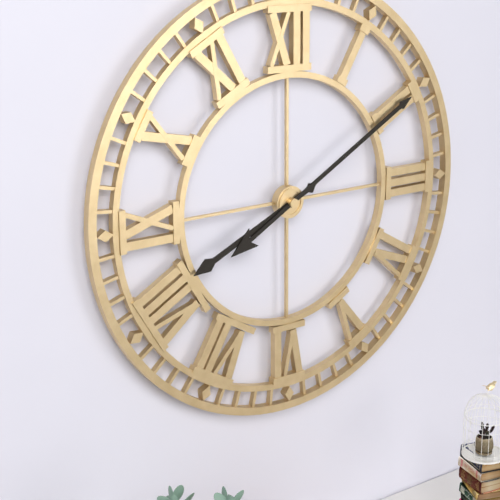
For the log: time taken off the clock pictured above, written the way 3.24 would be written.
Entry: 8.10
